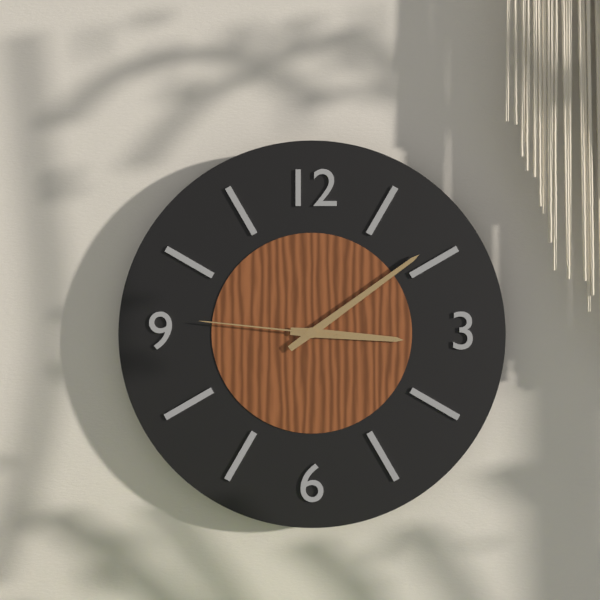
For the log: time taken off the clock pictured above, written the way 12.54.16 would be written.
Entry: 3.09.46
